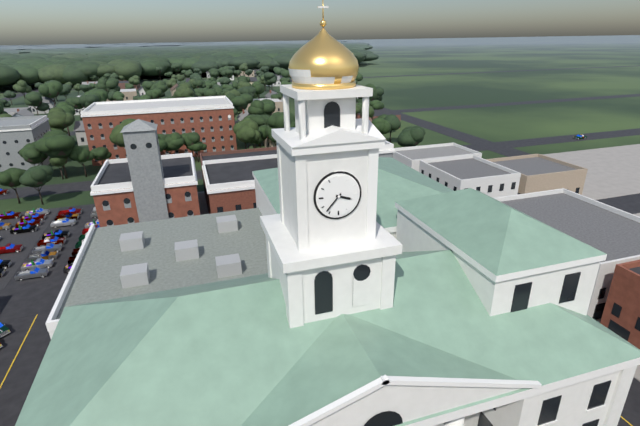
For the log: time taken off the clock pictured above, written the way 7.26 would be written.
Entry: 3.37
